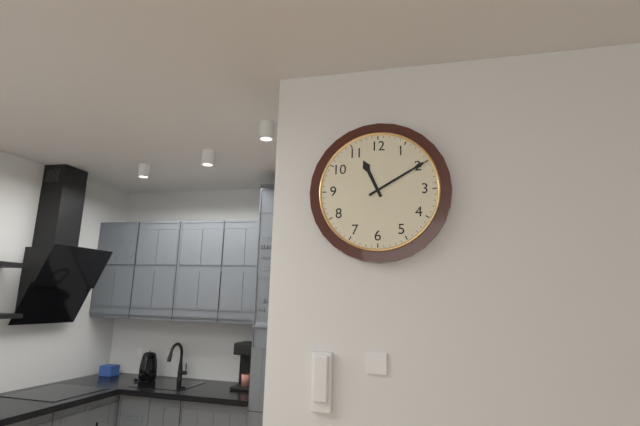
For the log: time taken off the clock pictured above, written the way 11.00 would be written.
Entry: 11.10
